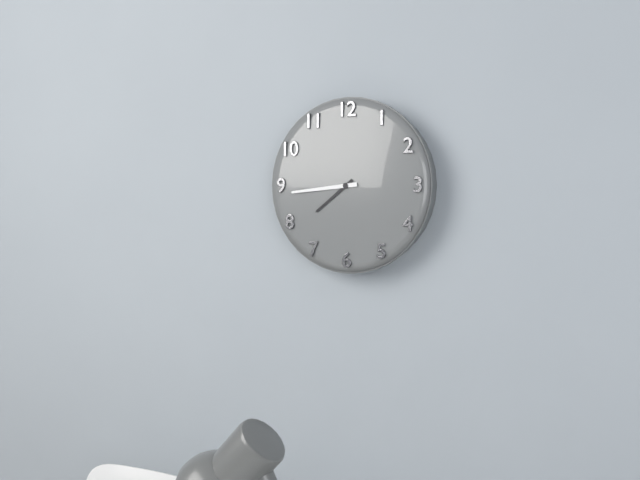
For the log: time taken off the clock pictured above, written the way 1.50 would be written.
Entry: 7.44
